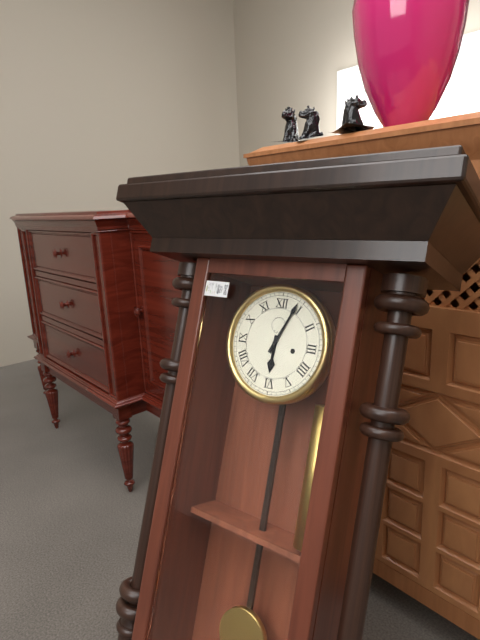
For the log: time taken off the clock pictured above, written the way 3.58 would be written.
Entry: 6.04
